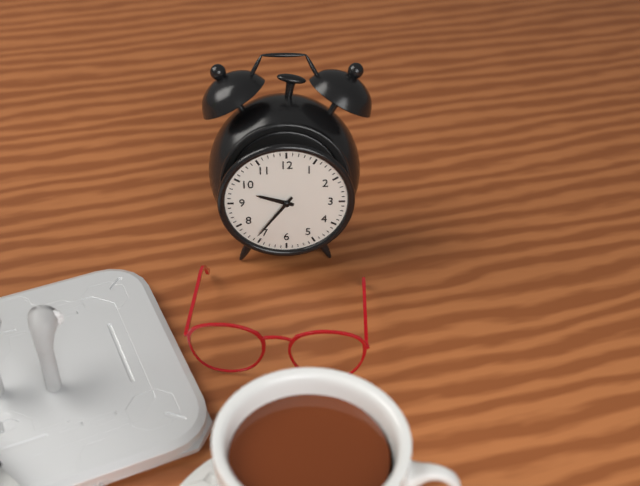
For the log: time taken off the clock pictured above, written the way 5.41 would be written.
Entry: 9.36
